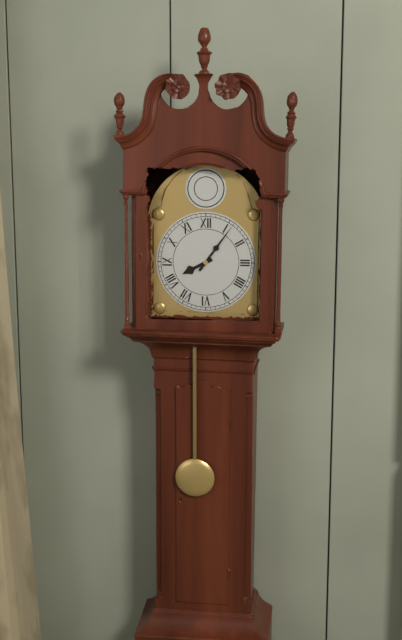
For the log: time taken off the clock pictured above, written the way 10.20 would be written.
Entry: 8.06
